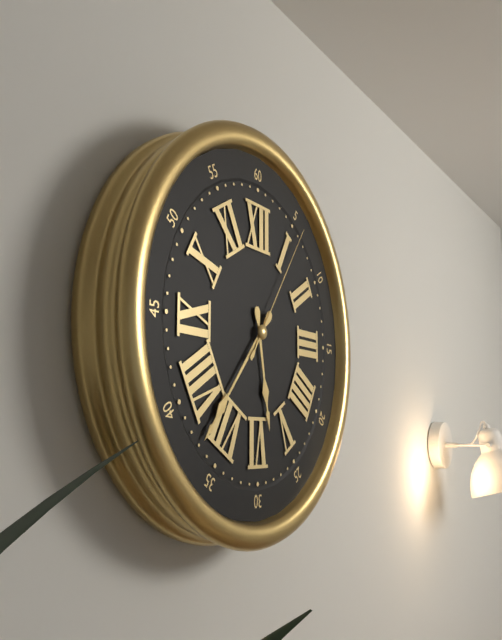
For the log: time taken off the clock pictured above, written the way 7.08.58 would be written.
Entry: 5.37.06
